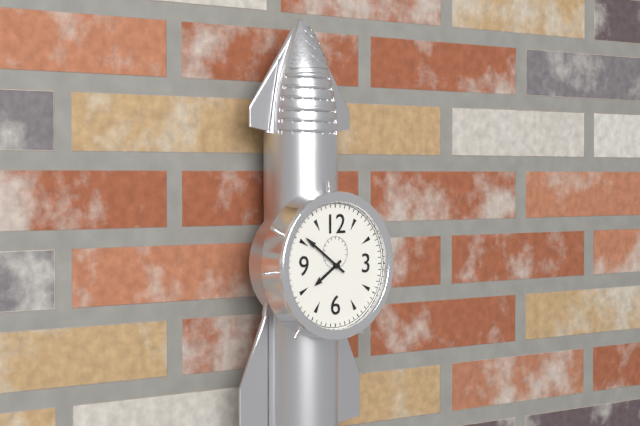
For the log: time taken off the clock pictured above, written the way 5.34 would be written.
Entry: 7.51
